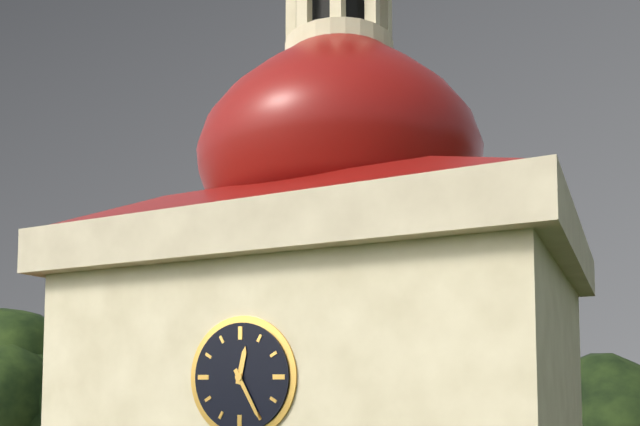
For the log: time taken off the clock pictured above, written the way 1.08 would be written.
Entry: 12.25
